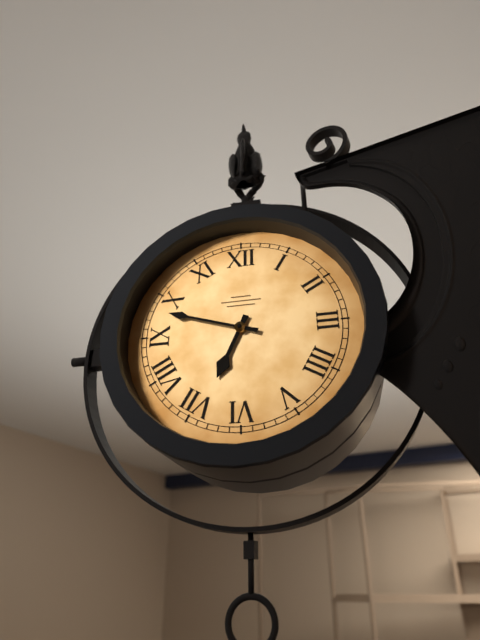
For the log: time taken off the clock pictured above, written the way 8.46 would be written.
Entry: 6.48
